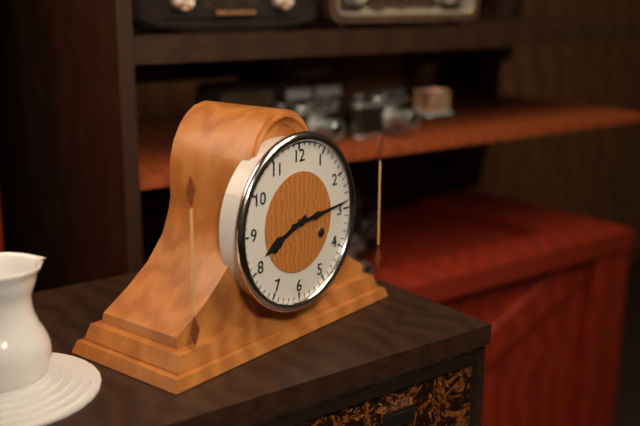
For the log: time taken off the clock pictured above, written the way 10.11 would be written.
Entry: 8.14
